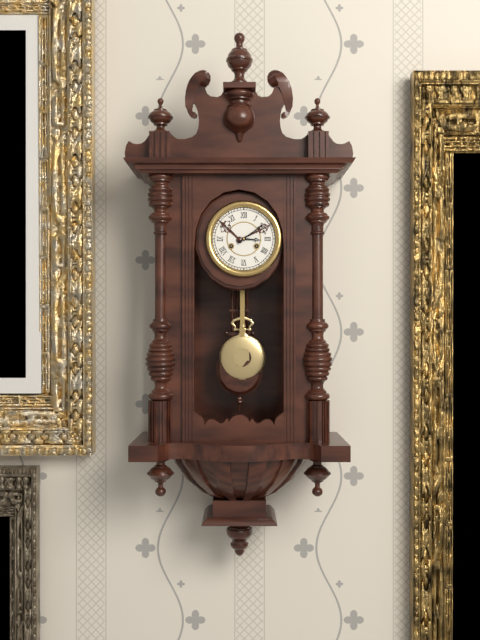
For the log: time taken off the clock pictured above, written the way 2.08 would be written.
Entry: 3.09
